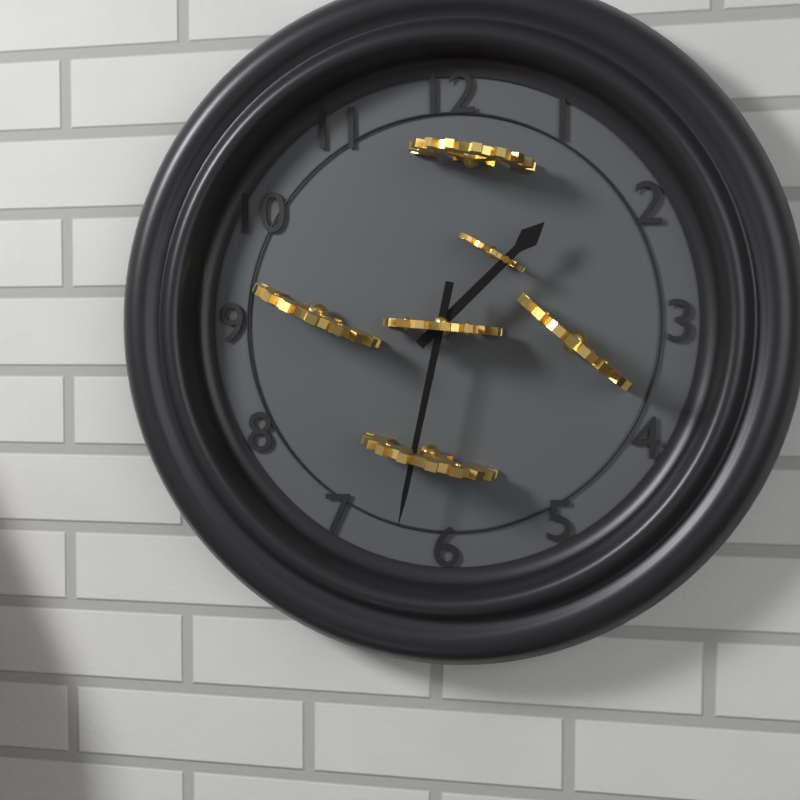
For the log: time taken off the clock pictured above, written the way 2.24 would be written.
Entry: 1.32
